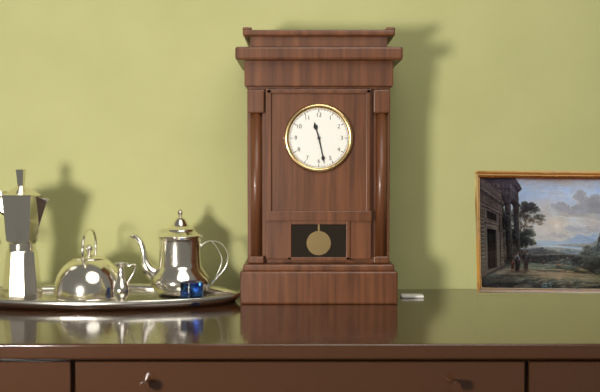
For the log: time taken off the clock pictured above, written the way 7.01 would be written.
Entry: 11.28
